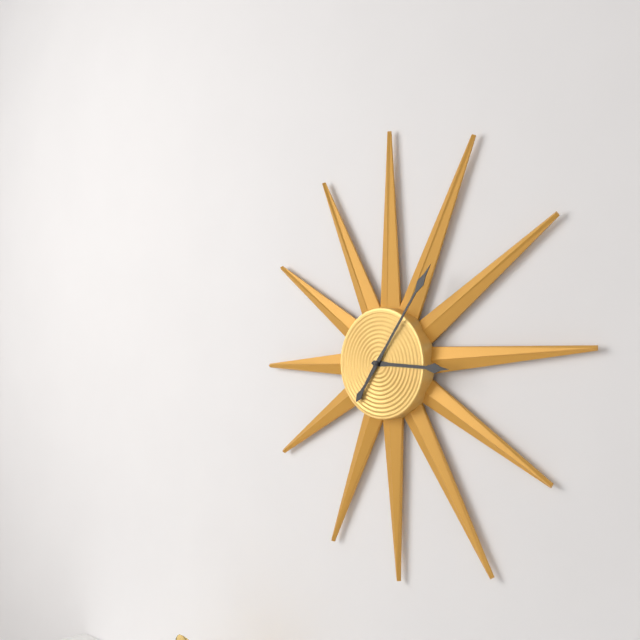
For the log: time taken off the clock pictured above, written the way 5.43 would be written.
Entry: 3.06
